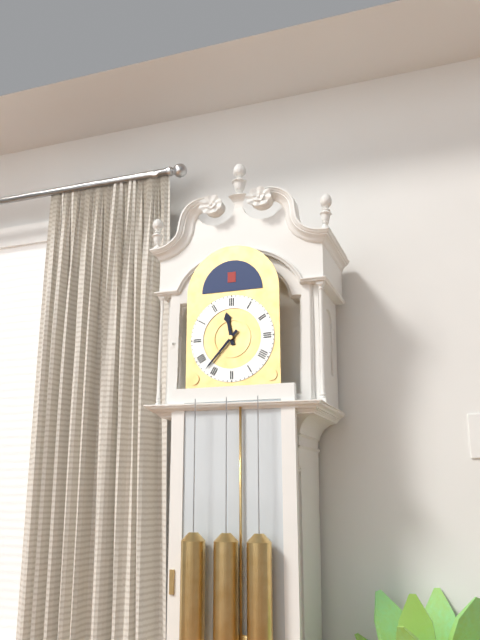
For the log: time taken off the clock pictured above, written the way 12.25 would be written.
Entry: 11.37
